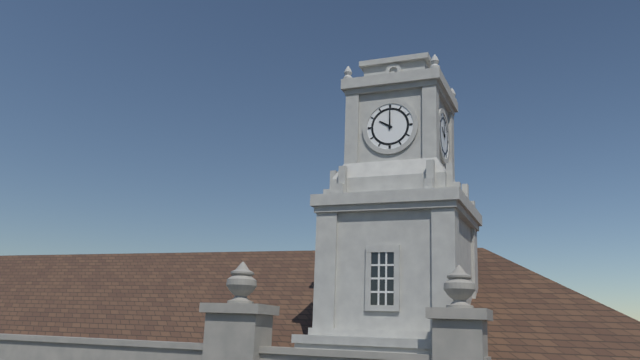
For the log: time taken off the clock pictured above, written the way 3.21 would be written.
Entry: 10.00
